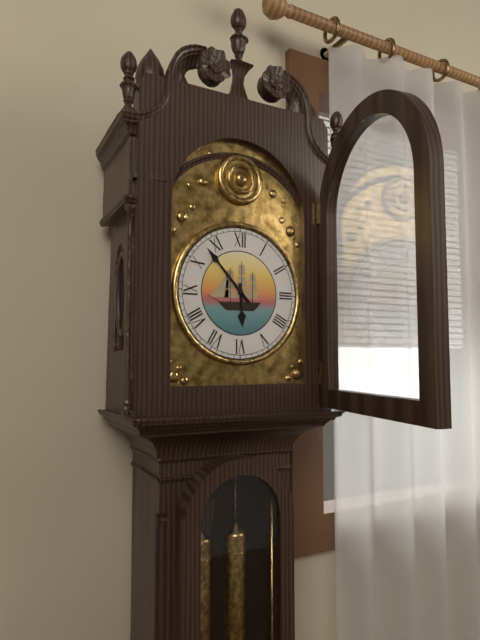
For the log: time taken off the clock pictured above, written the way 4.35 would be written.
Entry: 5.53
